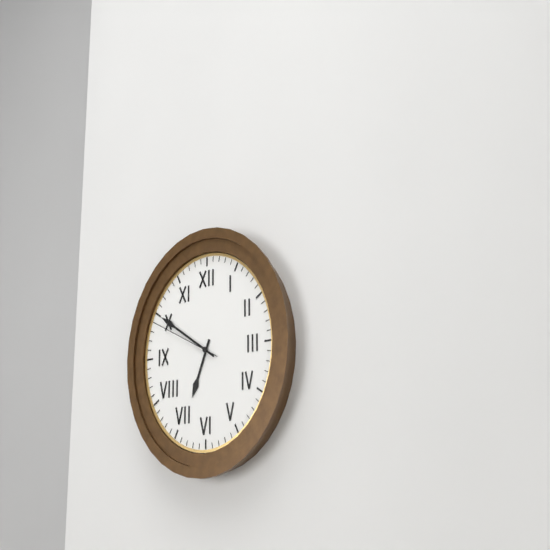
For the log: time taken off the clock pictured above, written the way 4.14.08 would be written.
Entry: 6.50.49
